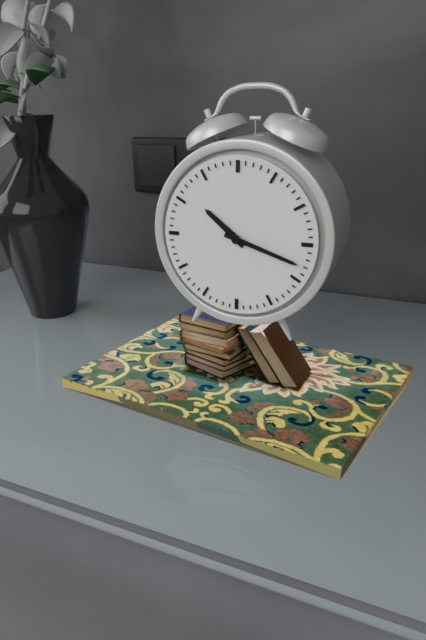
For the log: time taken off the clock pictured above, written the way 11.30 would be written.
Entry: 10.18
